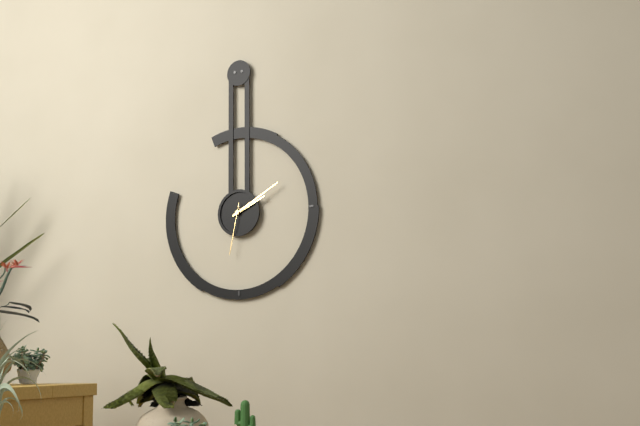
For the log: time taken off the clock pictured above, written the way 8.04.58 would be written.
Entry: 2.10.32
